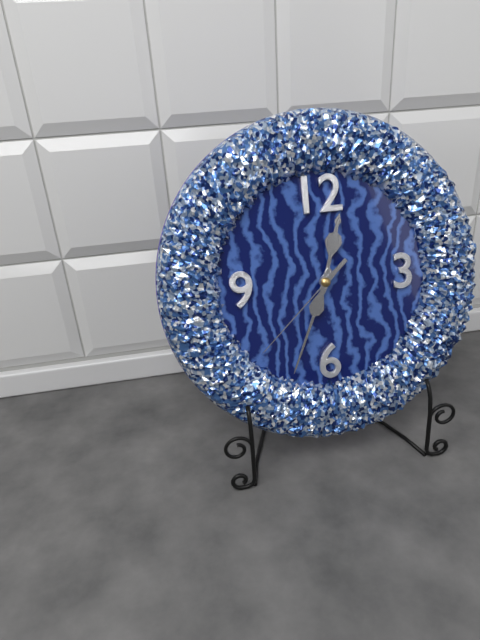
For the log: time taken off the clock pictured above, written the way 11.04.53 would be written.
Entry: 12.34.38
